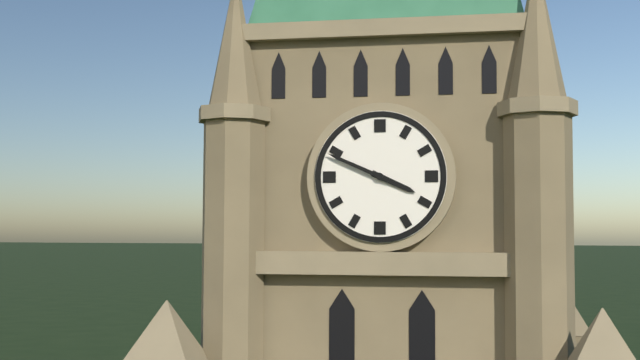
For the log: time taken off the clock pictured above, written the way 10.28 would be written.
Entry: 3.49
